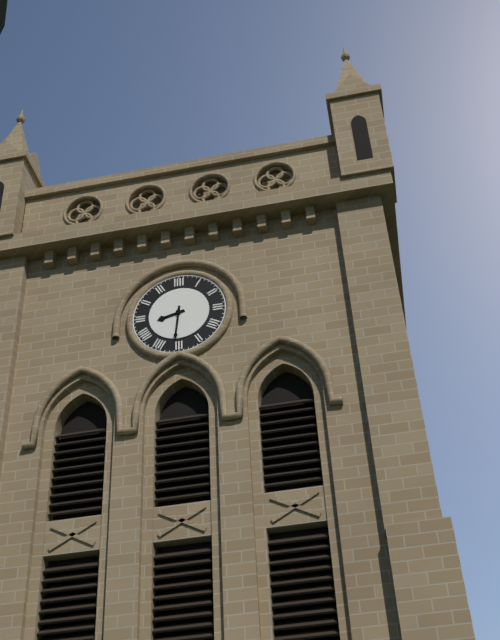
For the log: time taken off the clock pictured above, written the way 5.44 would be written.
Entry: 8.31
